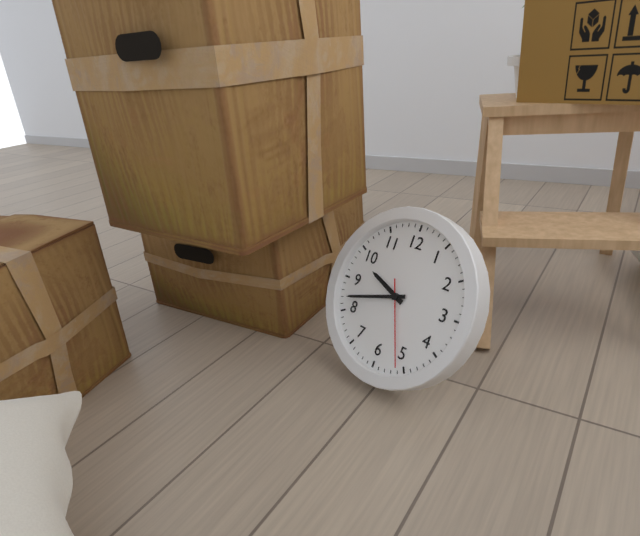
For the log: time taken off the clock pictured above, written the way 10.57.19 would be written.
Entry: 9.42.26
